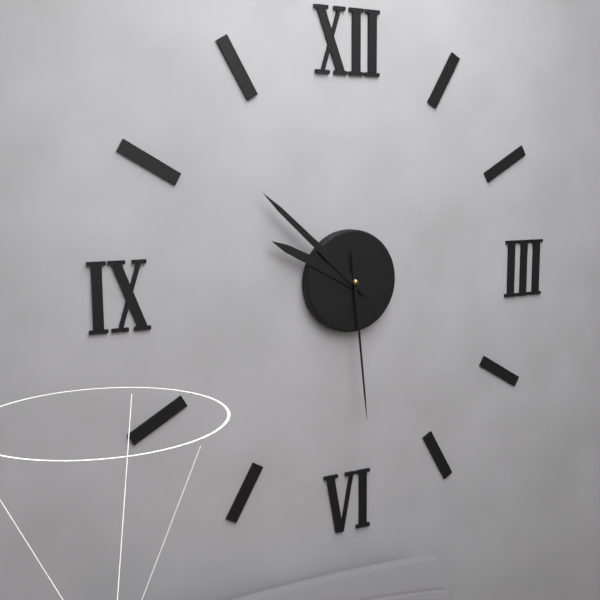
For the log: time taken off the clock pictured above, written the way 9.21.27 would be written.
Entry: 9.52.29
